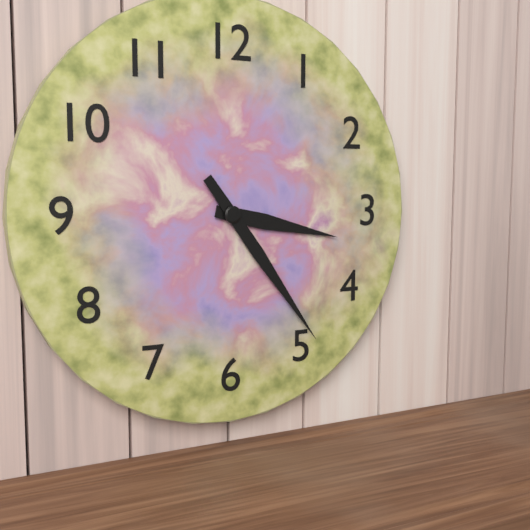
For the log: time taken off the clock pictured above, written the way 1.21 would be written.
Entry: 3.24
